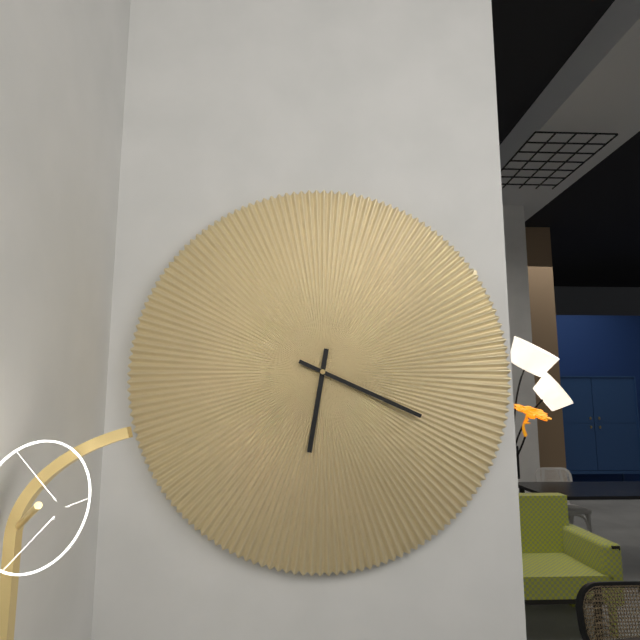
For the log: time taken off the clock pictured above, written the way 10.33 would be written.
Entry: 6.19
